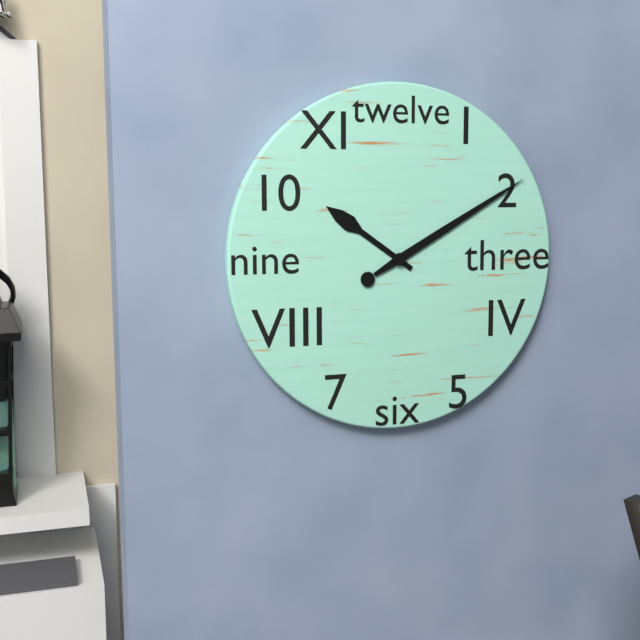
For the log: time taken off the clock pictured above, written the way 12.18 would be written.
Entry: 10.10
